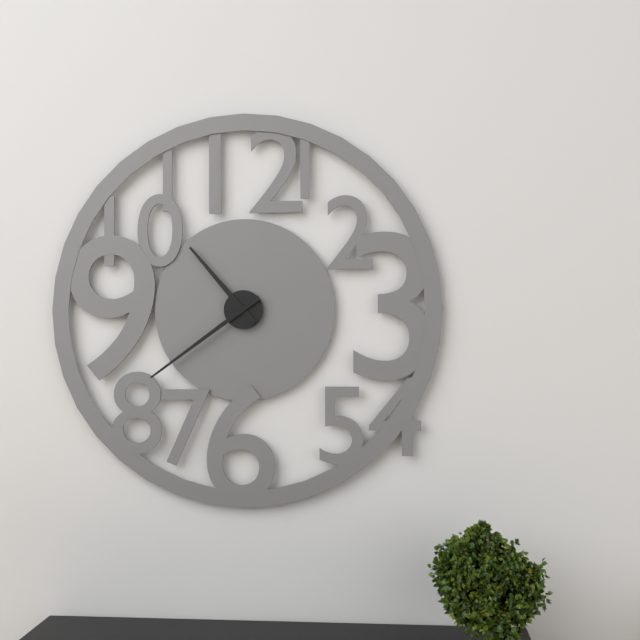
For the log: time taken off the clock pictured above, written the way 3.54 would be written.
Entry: 10.39
